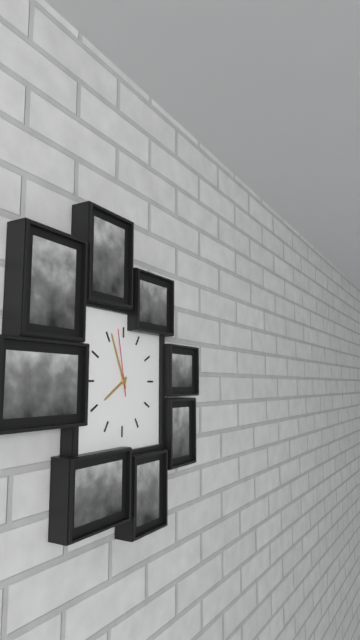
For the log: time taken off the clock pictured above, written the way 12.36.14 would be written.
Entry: 7.56.58
